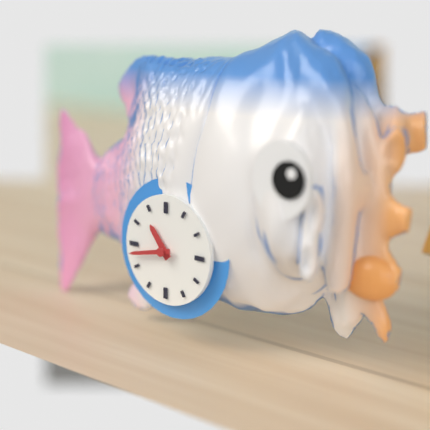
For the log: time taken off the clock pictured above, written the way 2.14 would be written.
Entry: 10.43
